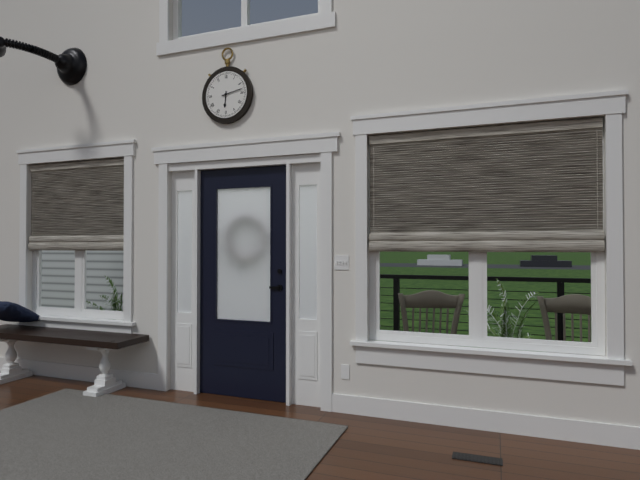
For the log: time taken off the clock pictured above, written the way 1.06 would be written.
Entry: 6.13
